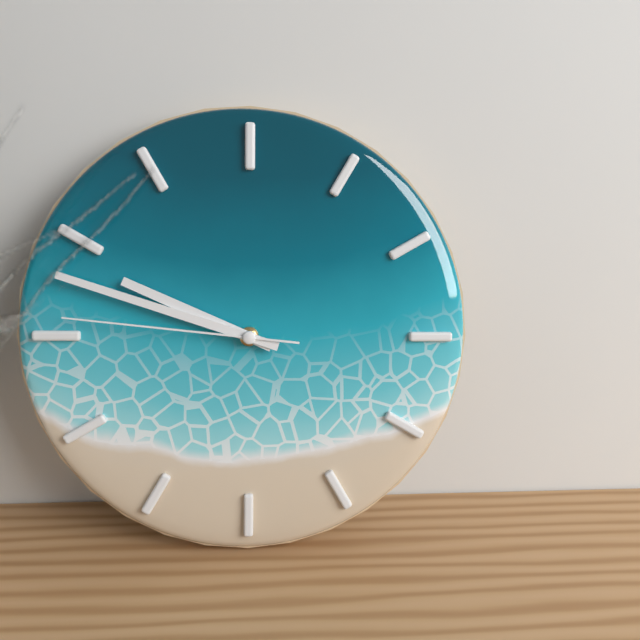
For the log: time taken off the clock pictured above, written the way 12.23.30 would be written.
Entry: 9.48.46
